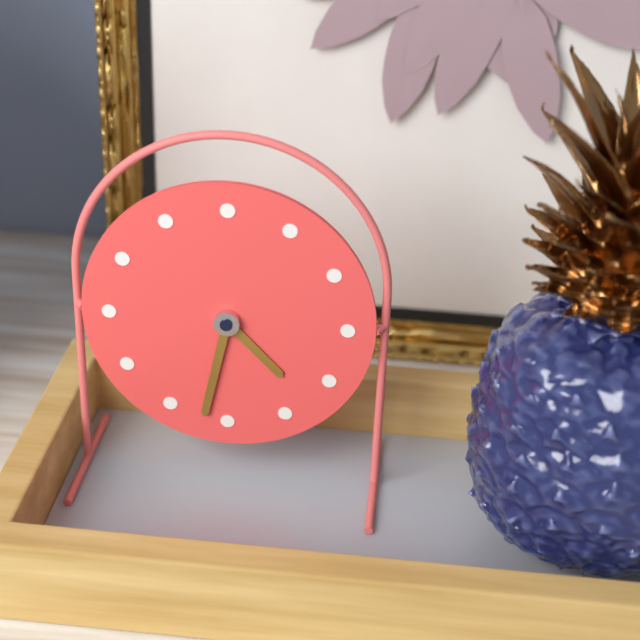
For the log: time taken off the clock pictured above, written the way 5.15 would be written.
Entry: 4.32
